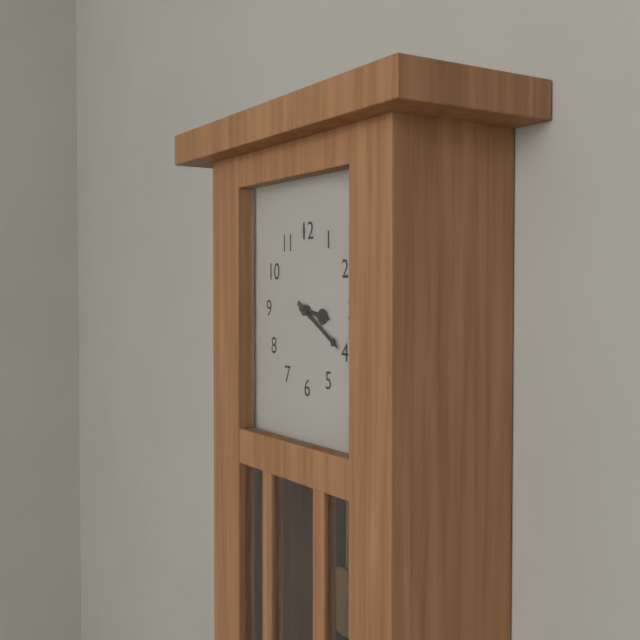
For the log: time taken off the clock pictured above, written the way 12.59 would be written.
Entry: 3.20
